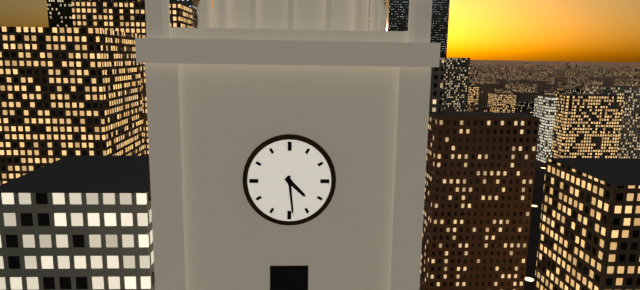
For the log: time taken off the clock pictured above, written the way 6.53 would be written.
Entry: 4.29
